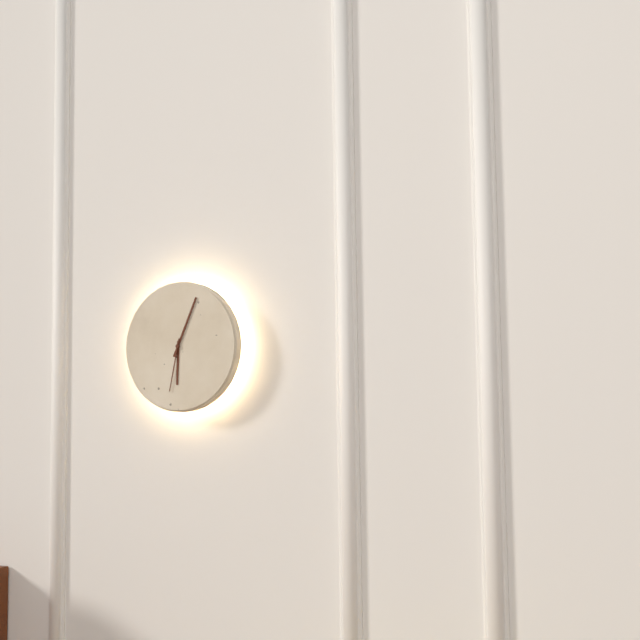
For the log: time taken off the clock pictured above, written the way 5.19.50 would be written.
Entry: 6.04.32
